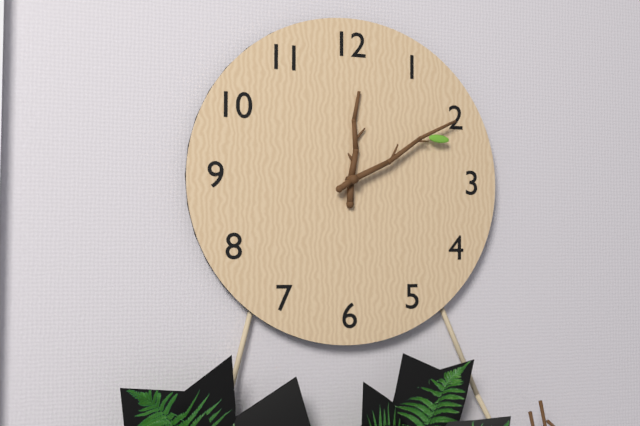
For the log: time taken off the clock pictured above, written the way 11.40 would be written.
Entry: 12.10
